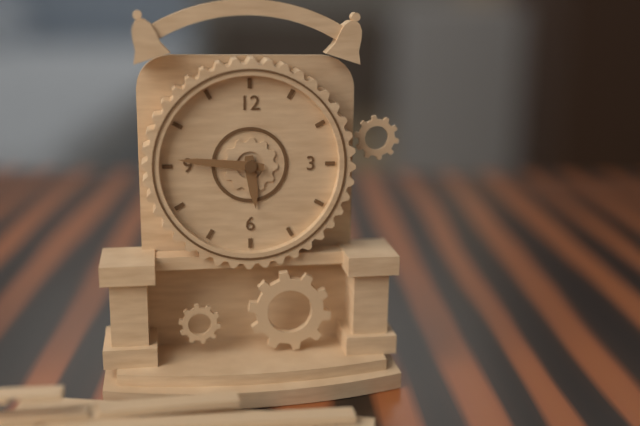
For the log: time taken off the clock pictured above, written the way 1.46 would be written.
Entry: 5.46
